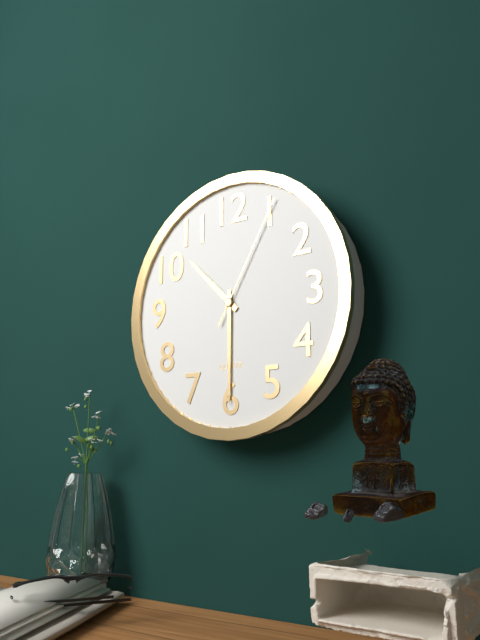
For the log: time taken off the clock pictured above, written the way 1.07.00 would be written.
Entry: 10.30.05
